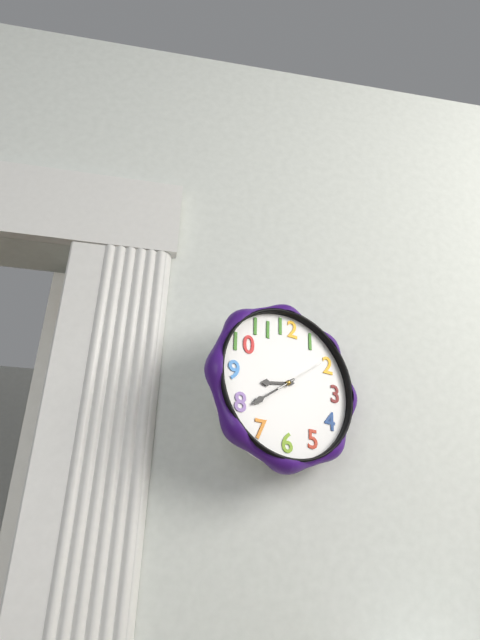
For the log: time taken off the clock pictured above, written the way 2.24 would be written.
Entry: 8.39
